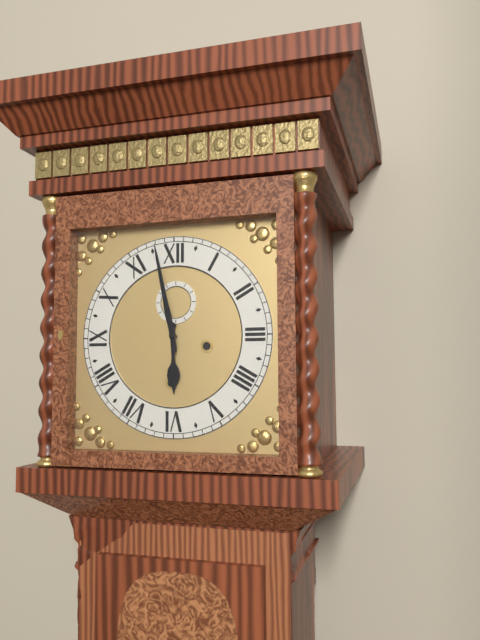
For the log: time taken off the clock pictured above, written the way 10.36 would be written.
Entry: 5.58
